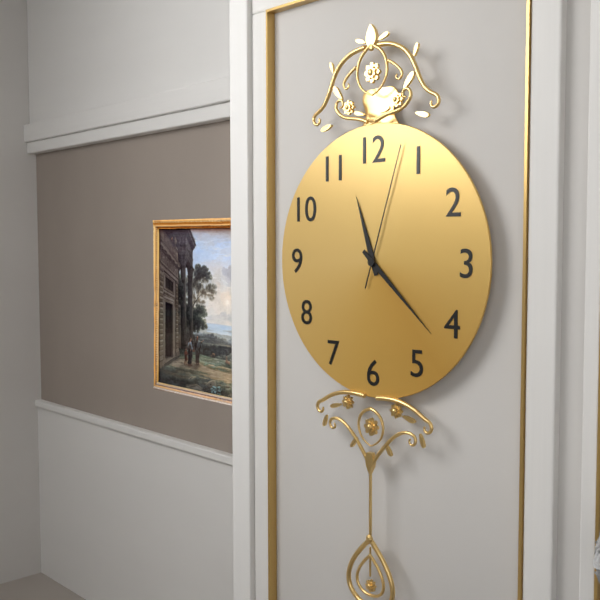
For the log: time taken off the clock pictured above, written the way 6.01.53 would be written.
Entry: 11.22.03
